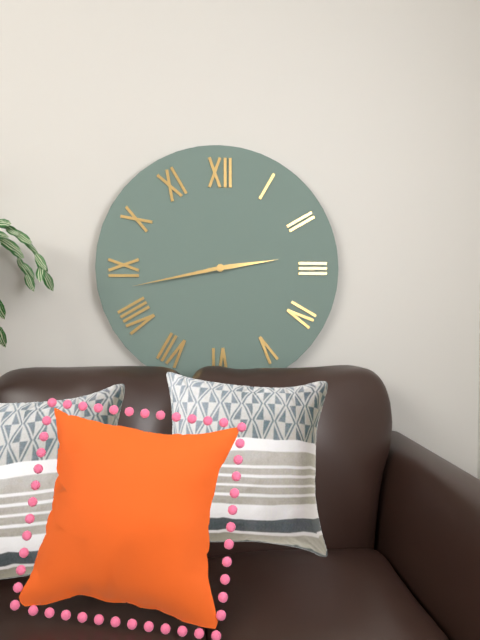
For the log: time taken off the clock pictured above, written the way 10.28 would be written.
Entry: 2.43
